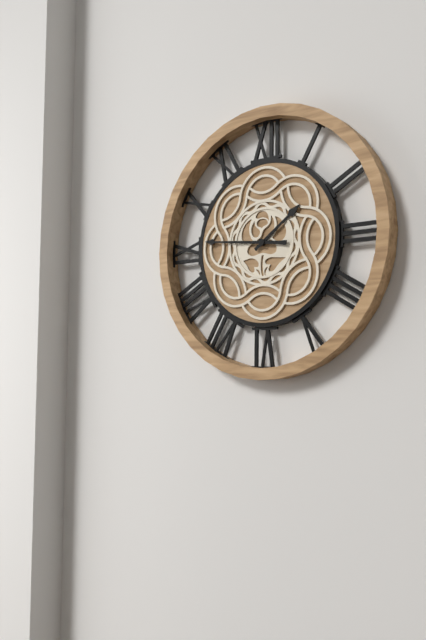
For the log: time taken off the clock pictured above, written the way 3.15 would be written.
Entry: 1.46
